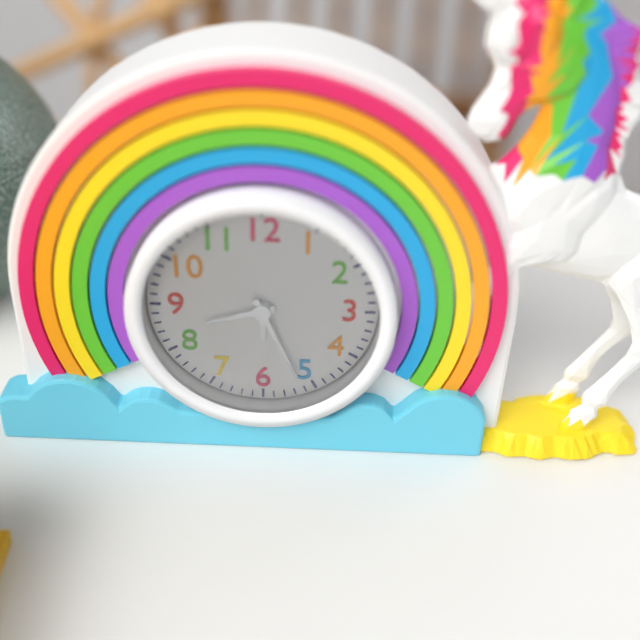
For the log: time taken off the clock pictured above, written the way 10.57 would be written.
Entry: 8.26
